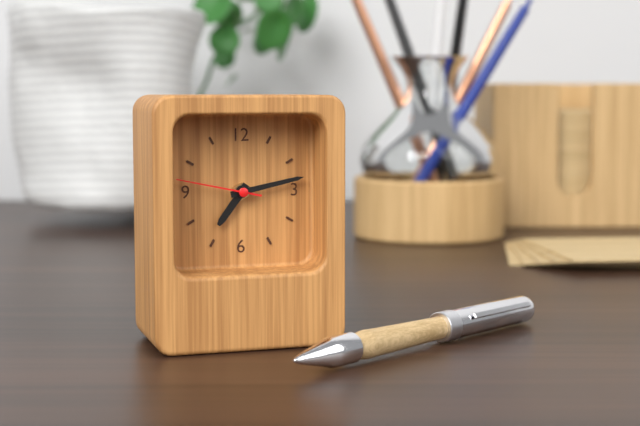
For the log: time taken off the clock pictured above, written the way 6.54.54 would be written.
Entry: 7.13.47
